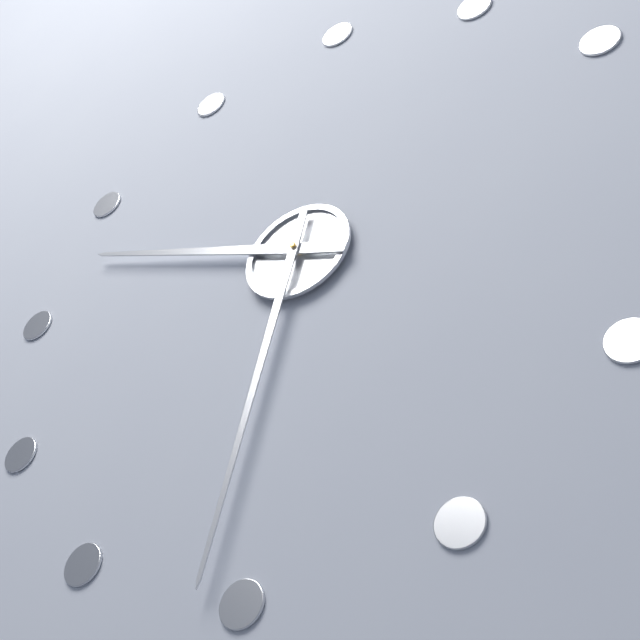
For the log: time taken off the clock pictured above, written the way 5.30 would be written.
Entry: 9.31
